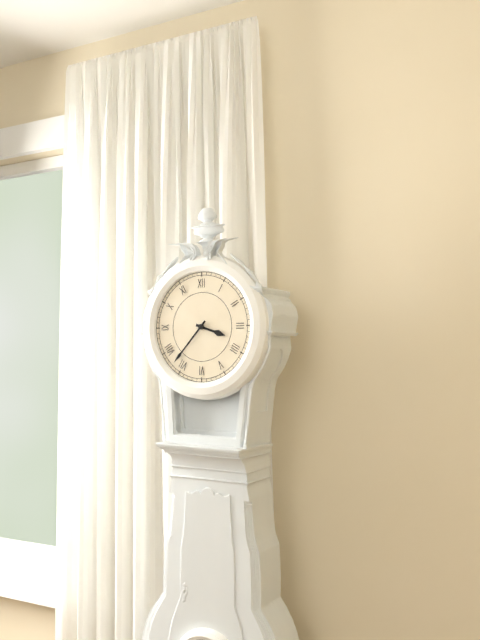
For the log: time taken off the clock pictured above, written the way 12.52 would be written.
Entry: 3.37
